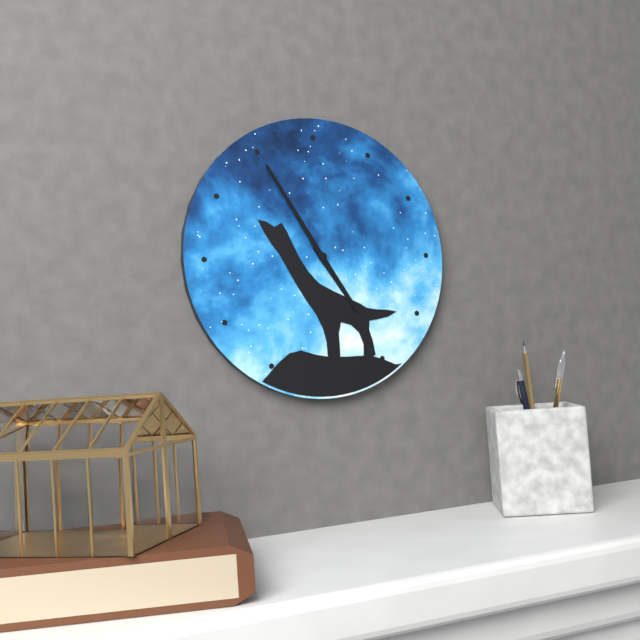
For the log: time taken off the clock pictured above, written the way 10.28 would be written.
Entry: 4.55
